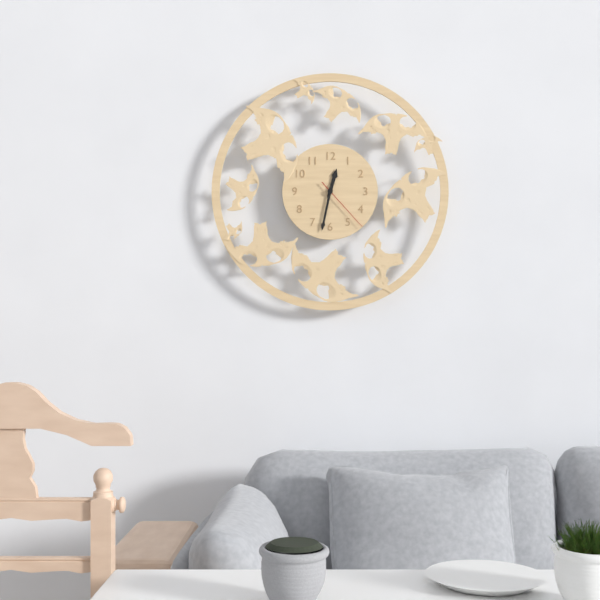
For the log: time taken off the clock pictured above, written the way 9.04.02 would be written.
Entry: 12.32.23
